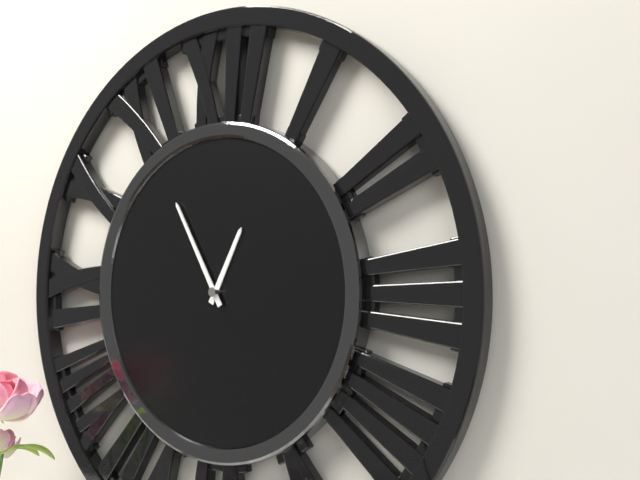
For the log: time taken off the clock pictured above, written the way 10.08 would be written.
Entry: 12.55
